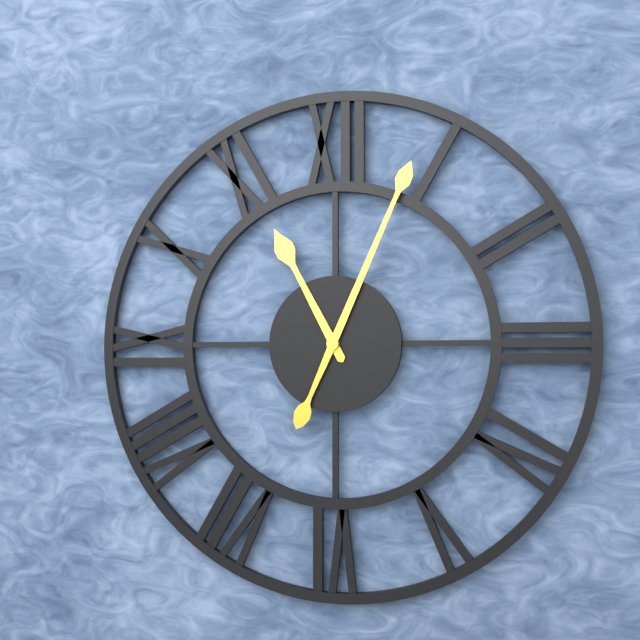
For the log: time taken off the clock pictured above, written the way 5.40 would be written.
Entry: 11.04
